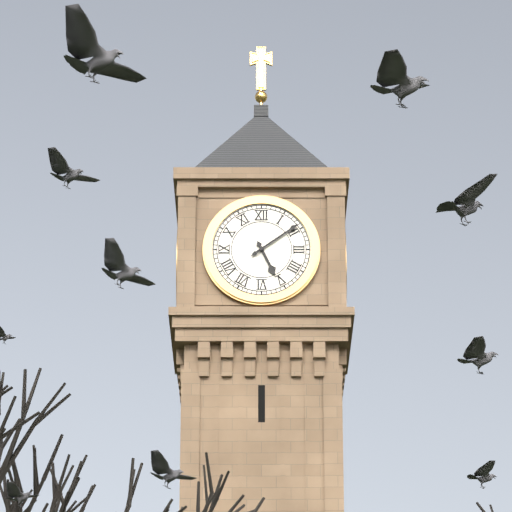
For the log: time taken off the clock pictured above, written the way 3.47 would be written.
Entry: 5.09
